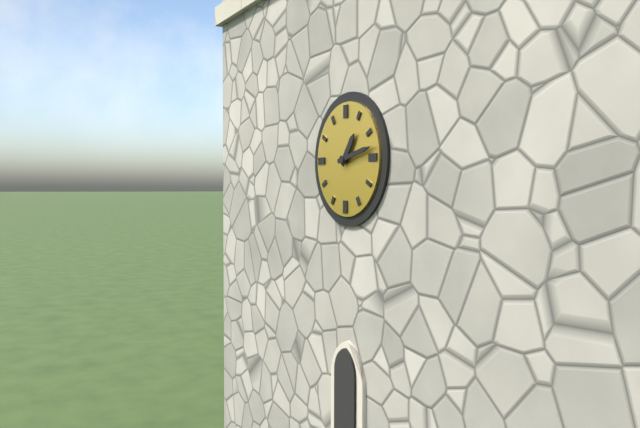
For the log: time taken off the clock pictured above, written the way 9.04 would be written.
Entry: 1.13
